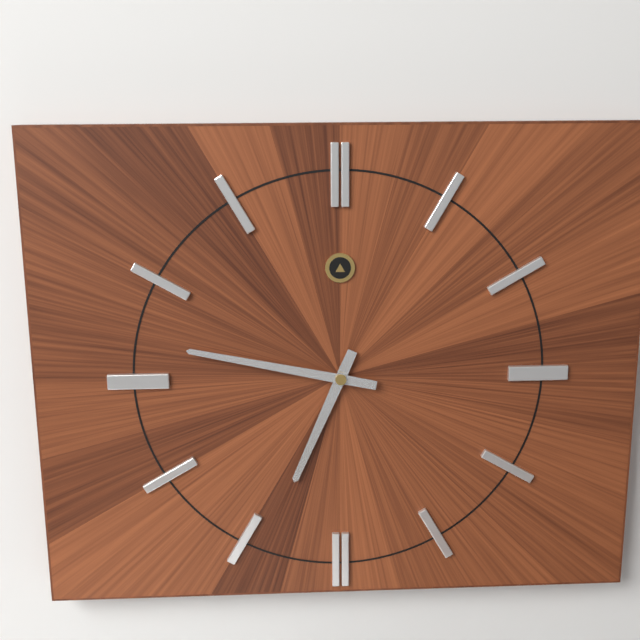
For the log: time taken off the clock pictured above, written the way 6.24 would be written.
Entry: 6.47
